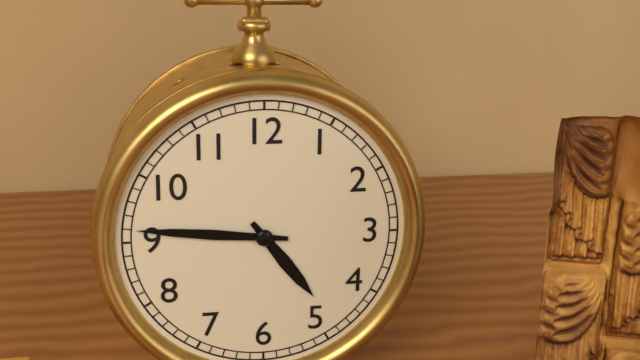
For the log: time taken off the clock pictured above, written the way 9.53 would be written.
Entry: 4.46
